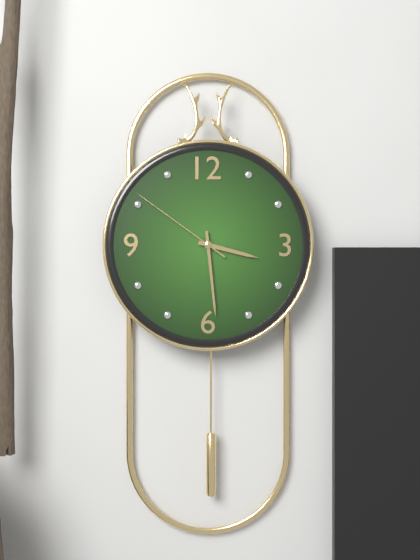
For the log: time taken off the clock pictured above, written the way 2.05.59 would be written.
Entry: 3.29.51
